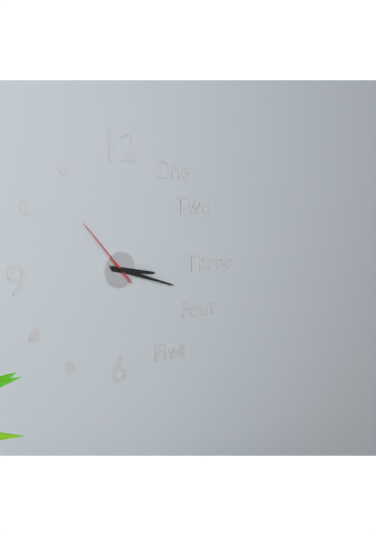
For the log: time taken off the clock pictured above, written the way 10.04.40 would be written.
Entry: 3.18.53
